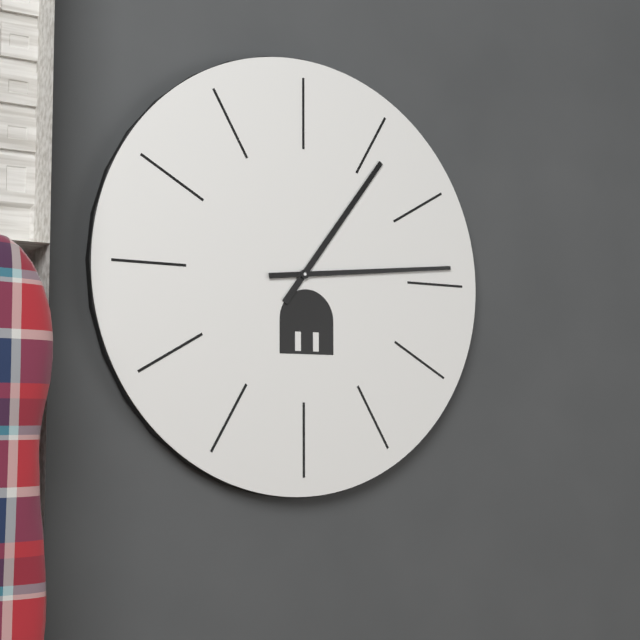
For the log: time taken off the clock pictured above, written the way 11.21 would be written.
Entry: 1.14
